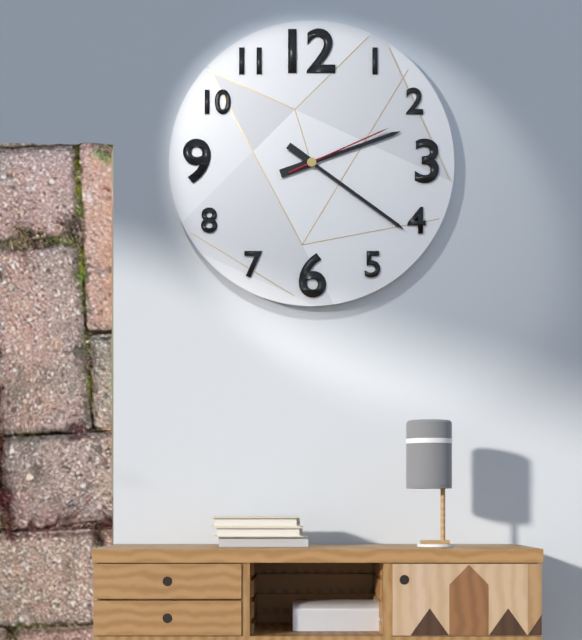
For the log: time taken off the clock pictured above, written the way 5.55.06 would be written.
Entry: 2.21.11
